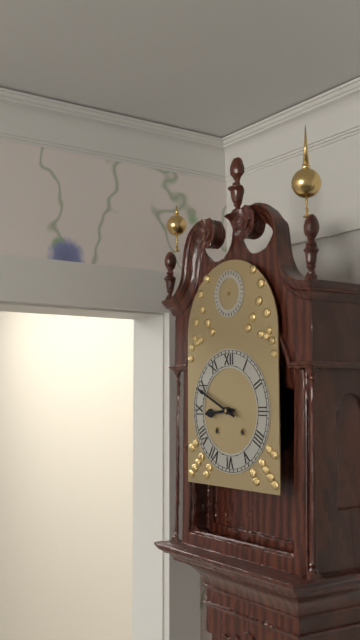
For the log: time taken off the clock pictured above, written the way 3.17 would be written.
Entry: 8.49
